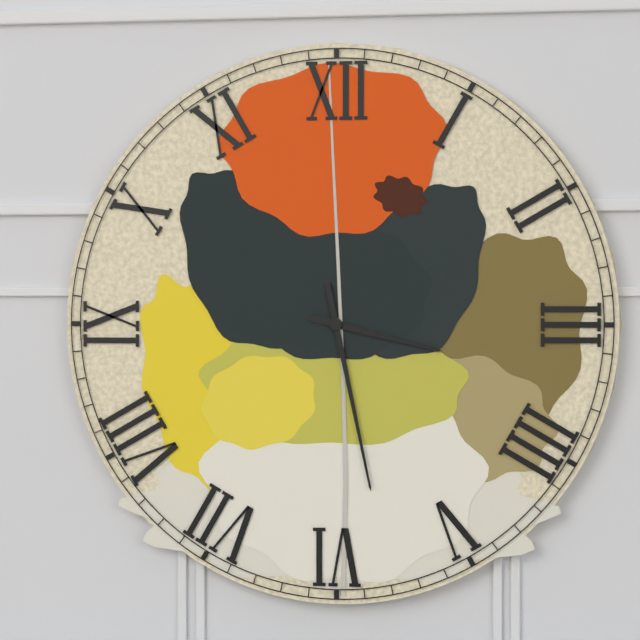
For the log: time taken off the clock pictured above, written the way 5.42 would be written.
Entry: 3.28
